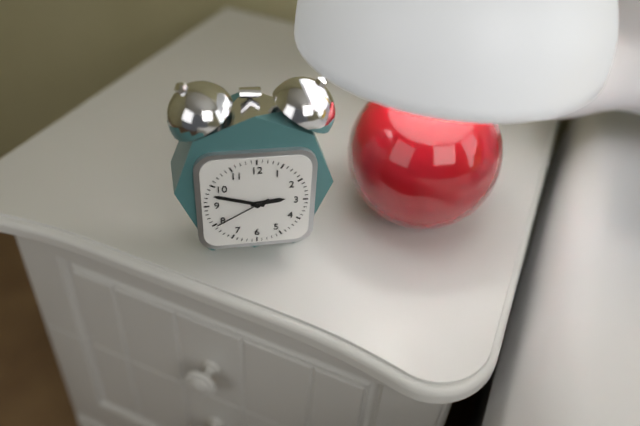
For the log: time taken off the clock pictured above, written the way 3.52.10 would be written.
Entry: 2.48.40
